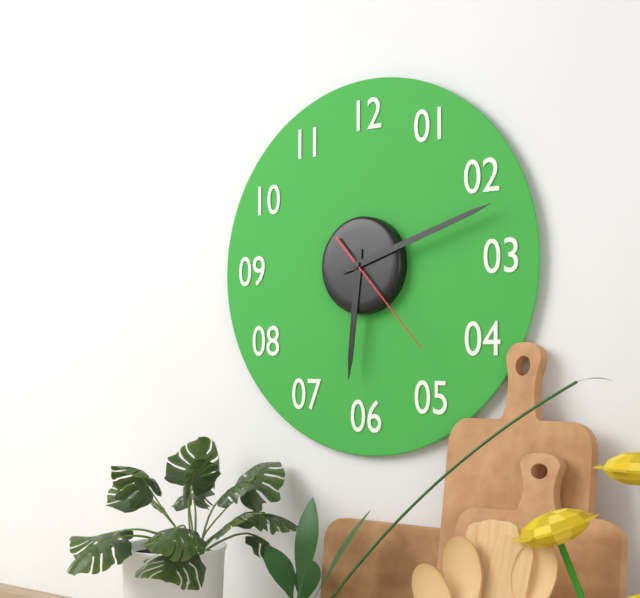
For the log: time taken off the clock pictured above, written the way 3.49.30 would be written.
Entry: 6.12.23
